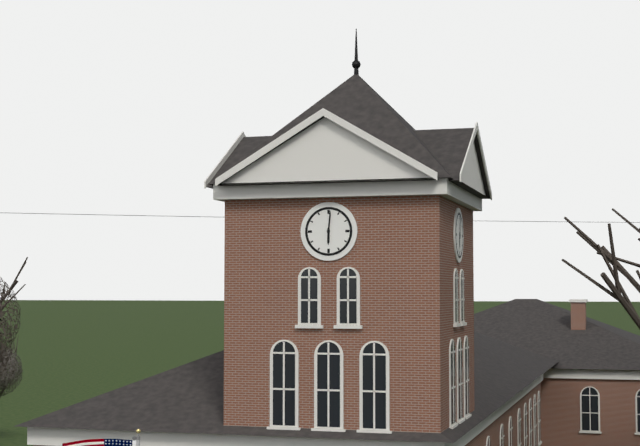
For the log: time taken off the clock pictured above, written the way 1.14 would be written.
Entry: 6.01
